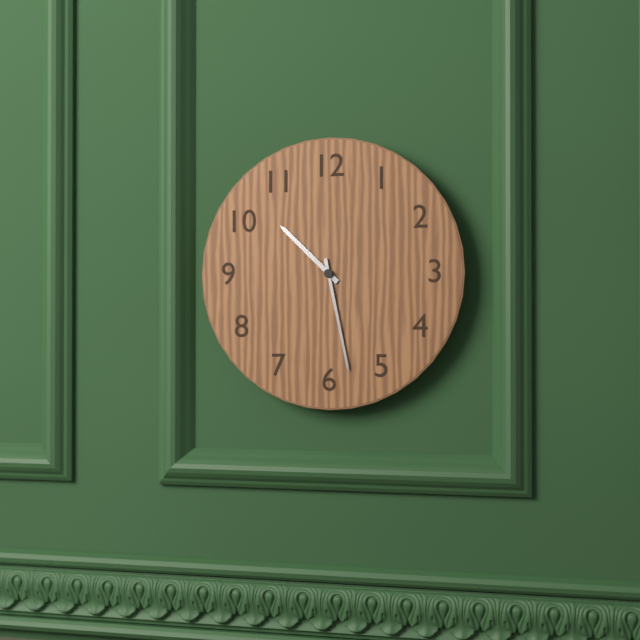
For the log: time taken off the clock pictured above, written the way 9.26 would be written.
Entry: 10.28
